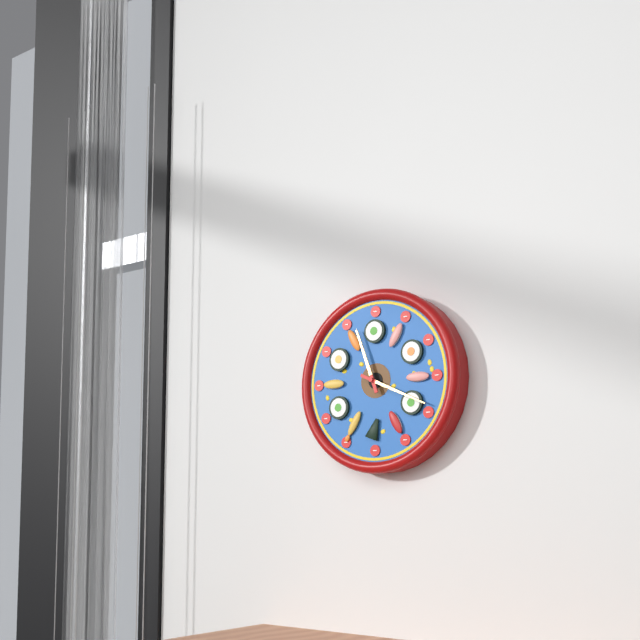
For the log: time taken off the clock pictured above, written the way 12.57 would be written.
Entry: 11.19
